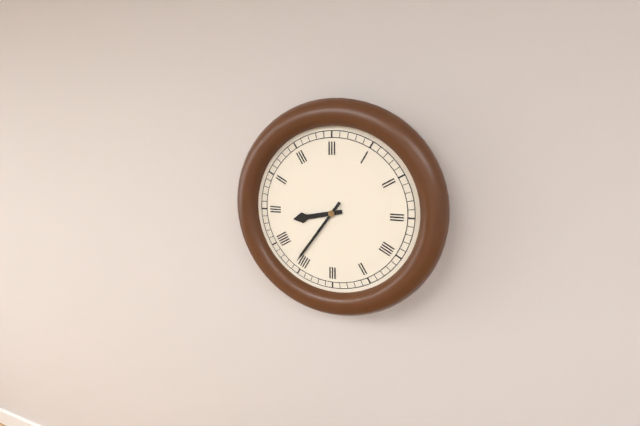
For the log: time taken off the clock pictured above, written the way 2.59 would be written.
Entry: 8.36
